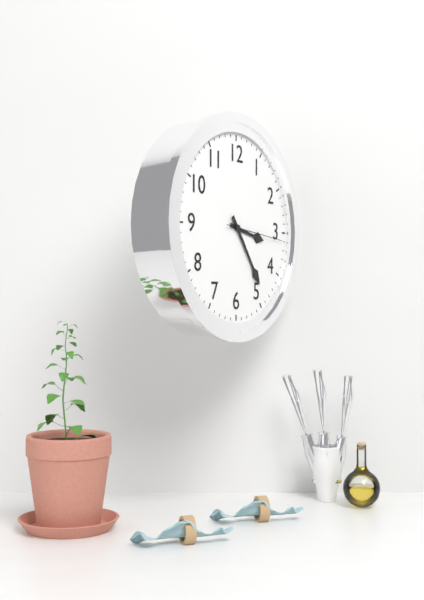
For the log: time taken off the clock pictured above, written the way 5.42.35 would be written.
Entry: 3.24.16
